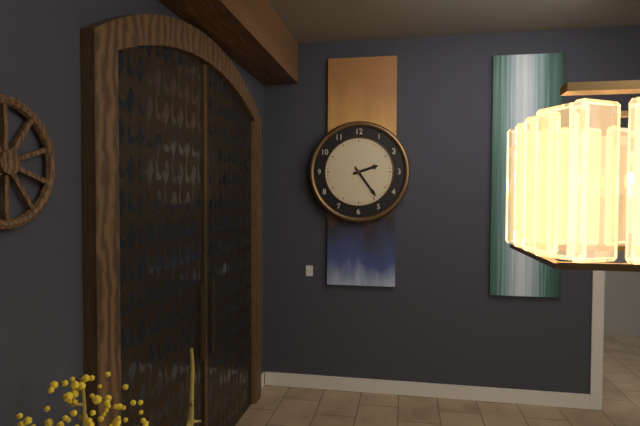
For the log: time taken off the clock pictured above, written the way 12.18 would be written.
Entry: 2.24
